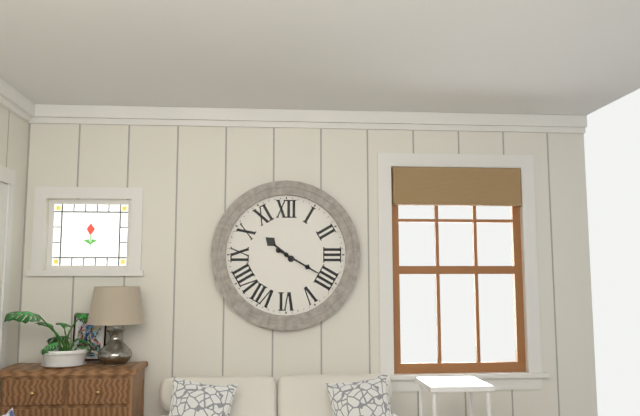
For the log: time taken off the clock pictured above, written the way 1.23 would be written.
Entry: 10.20
